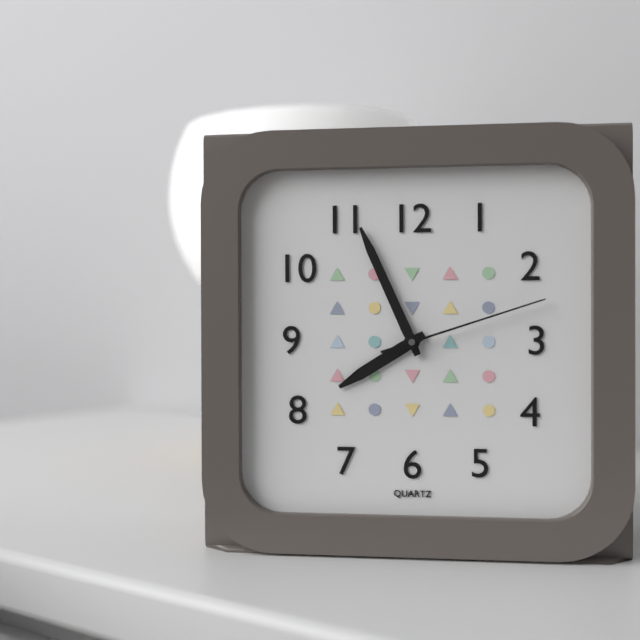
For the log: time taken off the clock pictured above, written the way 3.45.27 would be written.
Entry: 7.56.12
